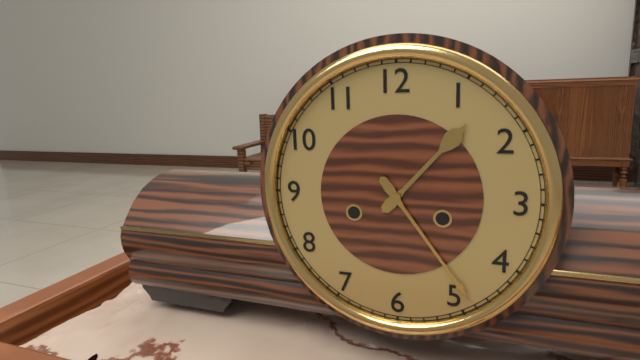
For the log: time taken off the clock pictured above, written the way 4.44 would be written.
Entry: 1.24
